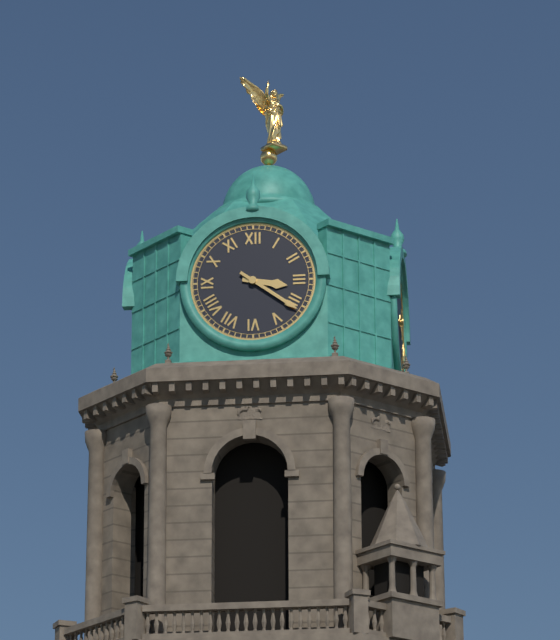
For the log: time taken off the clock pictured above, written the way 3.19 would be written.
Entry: 3.21
